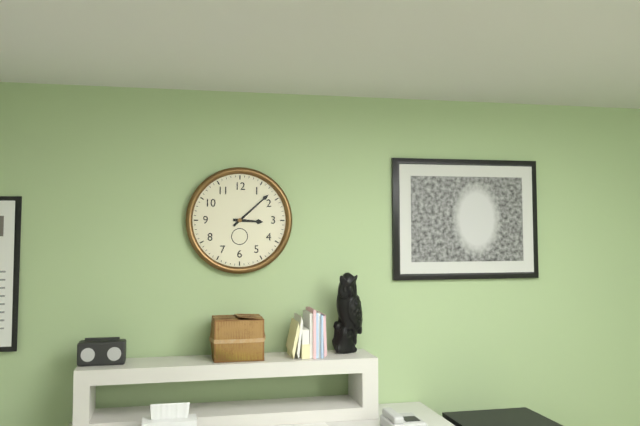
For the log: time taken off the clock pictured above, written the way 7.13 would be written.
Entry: 3.08
